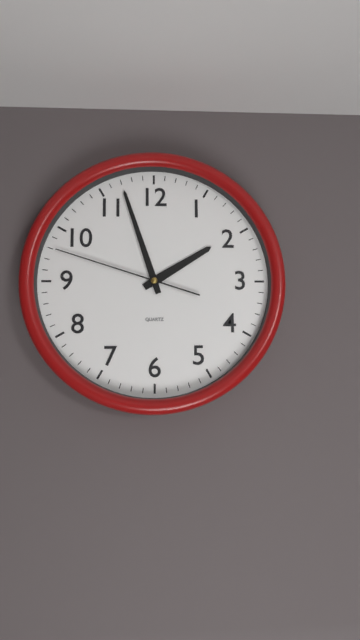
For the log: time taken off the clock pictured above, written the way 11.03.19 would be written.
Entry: 1.57.48
